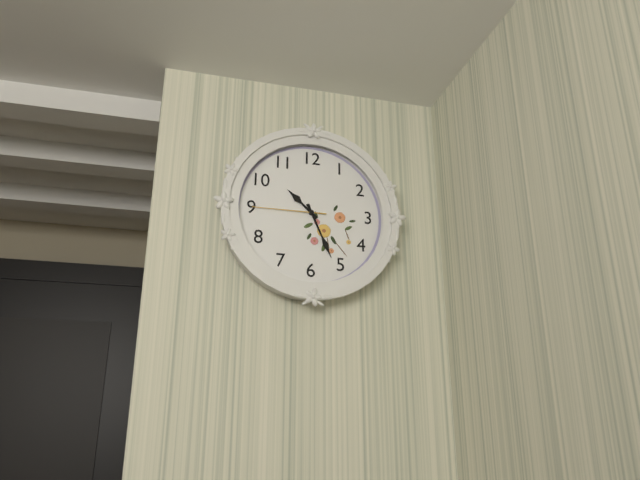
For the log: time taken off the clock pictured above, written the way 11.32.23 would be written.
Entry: 10.26.45
